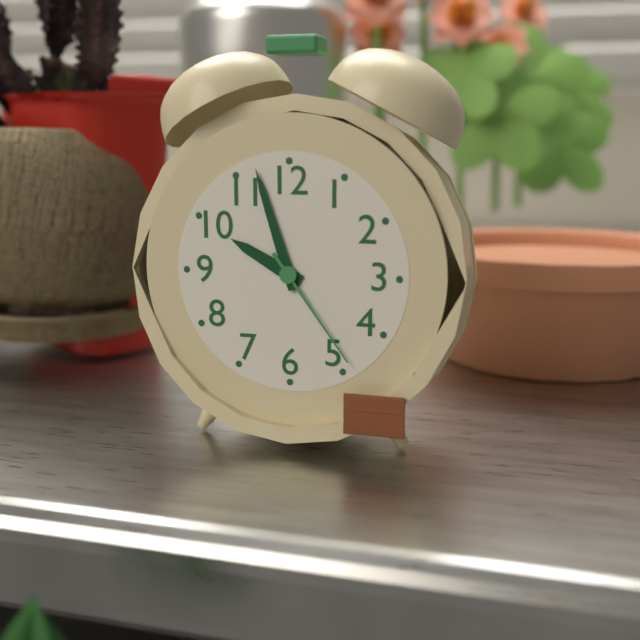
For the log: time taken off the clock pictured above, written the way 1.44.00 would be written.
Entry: 9.57.24
